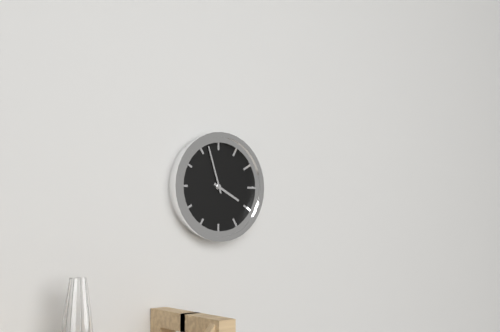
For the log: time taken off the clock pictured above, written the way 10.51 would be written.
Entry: 3.57
